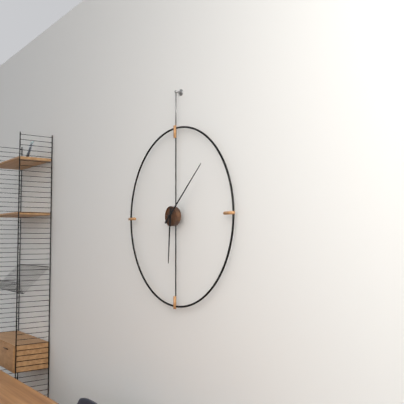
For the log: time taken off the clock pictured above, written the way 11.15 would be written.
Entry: 6.08
